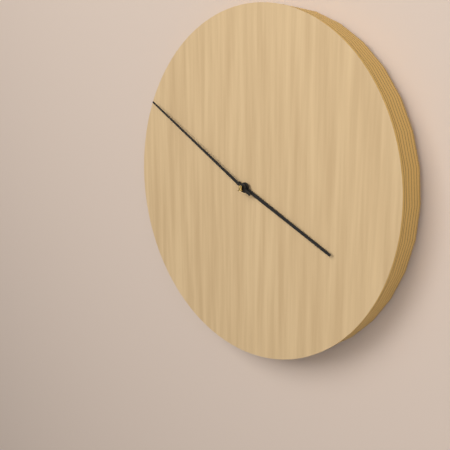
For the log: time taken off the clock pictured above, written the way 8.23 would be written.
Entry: 3.50
